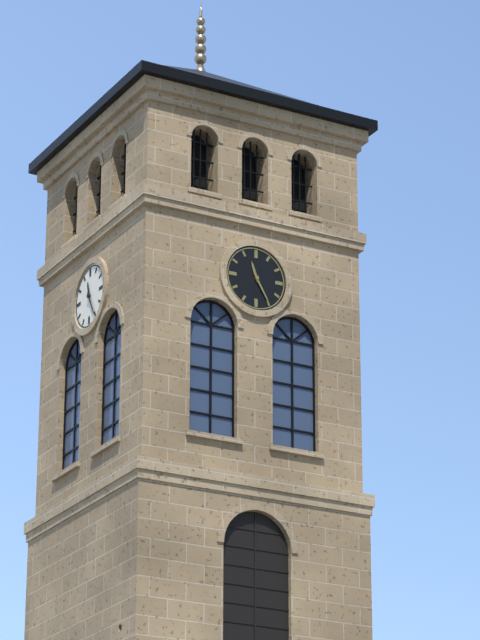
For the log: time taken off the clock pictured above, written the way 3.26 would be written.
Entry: 11.25
